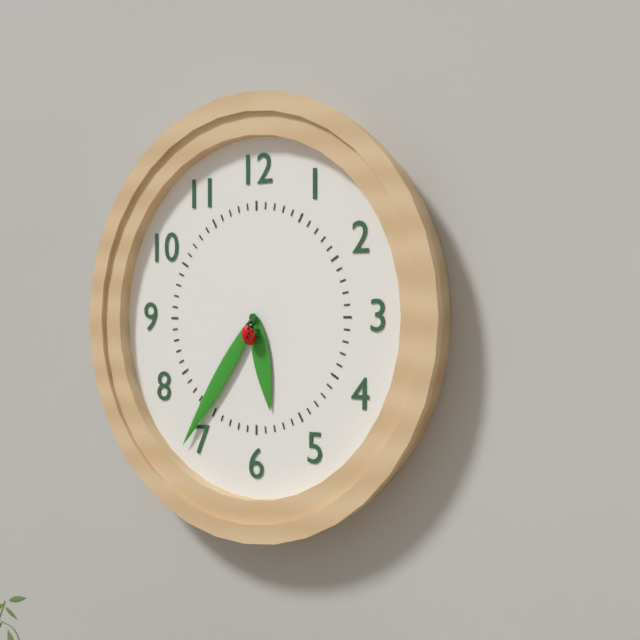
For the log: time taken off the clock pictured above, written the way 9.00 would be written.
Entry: 5.36
